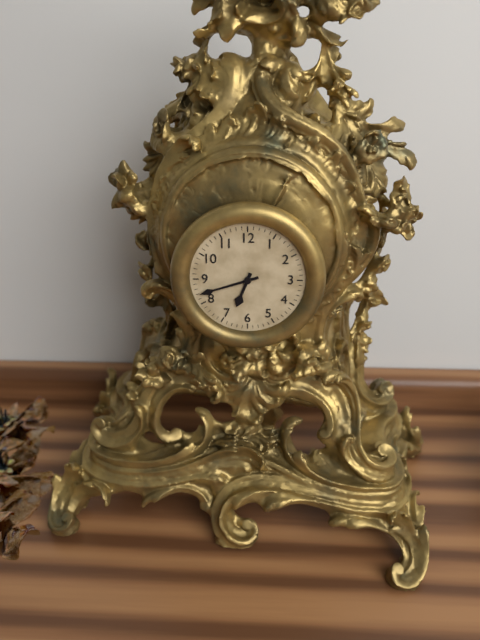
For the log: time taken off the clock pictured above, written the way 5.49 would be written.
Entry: 6.42
